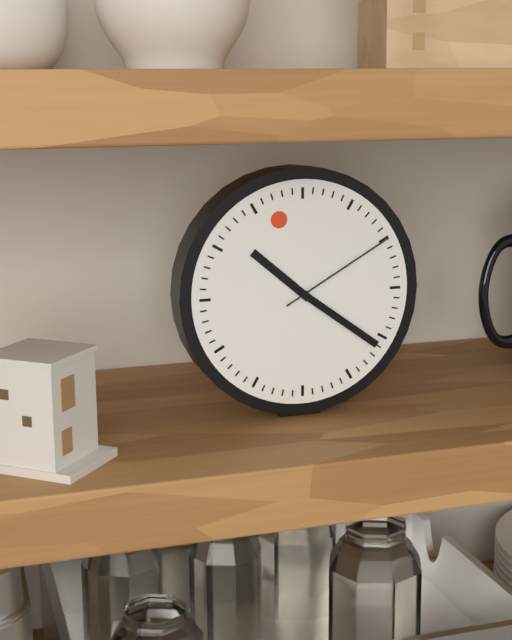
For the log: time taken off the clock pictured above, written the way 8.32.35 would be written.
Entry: 10.21.10
